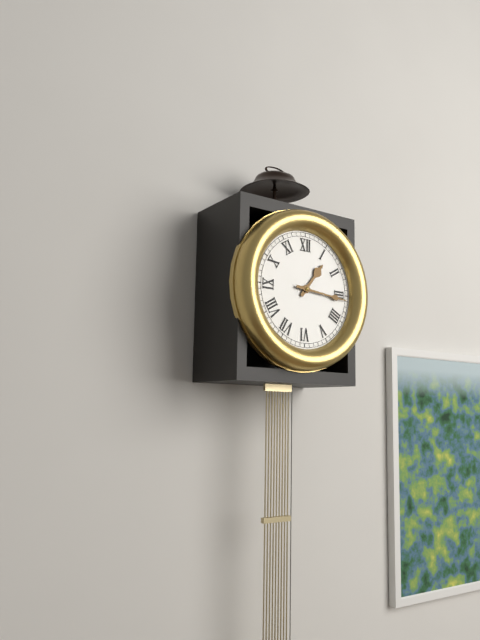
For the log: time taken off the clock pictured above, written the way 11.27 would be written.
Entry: 1.16
